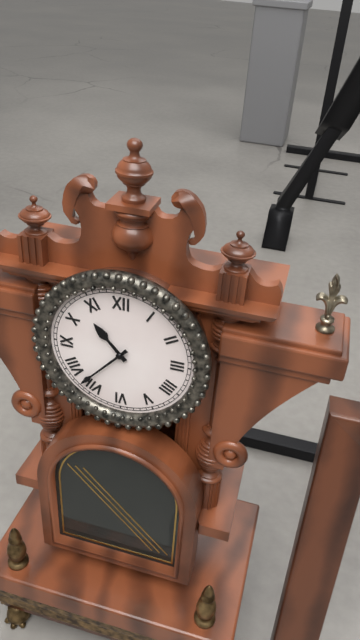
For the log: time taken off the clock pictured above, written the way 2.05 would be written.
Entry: 10.37
